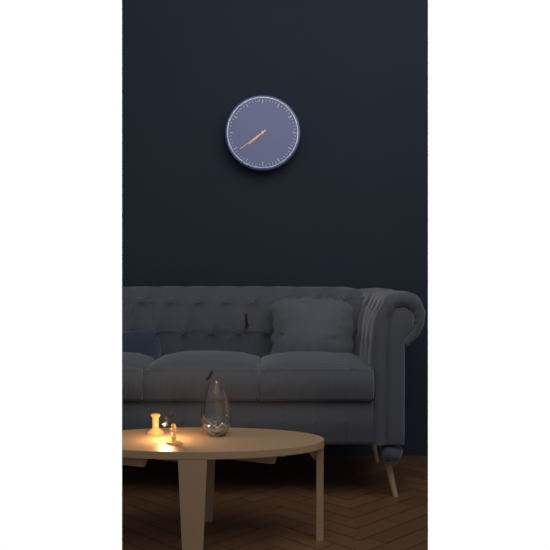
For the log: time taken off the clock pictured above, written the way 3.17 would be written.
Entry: 7.39
